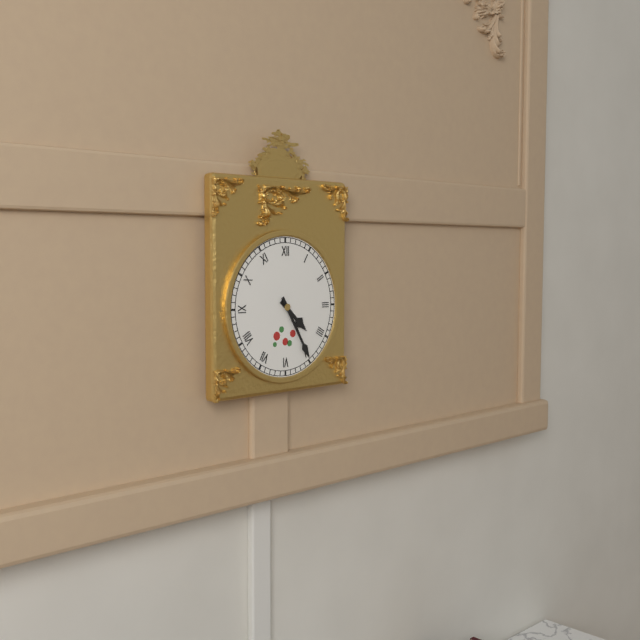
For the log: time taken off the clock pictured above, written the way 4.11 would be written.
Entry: 4.25
